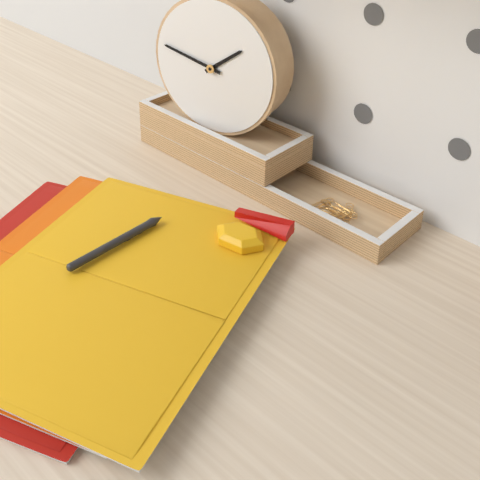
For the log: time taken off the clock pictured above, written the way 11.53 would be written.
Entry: 1.47
